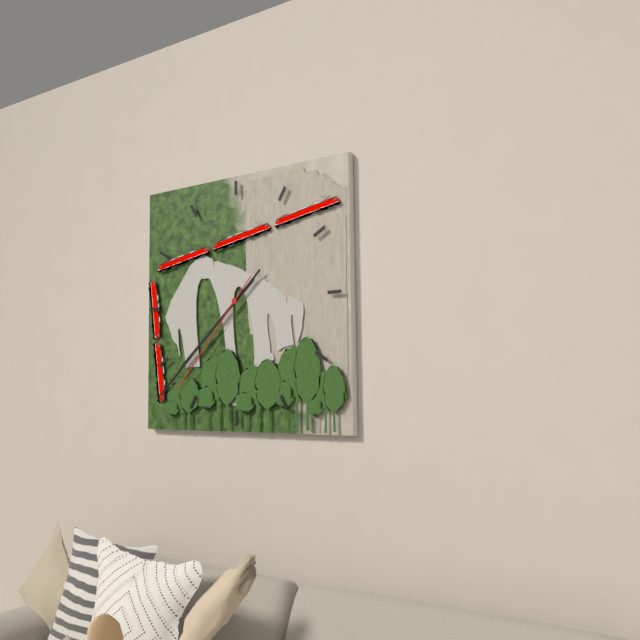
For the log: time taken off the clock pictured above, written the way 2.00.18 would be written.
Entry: 7.38.37
